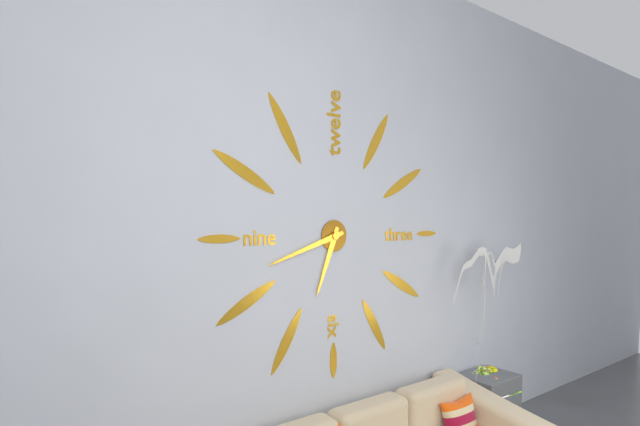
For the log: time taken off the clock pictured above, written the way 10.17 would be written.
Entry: 6.42
